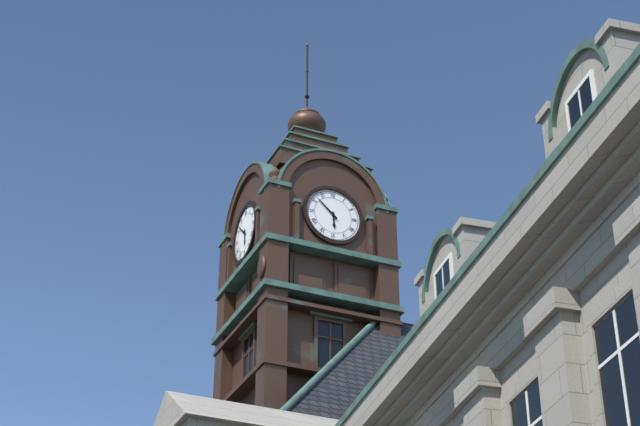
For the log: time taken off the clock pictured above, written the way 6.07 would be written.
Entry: 5.52
